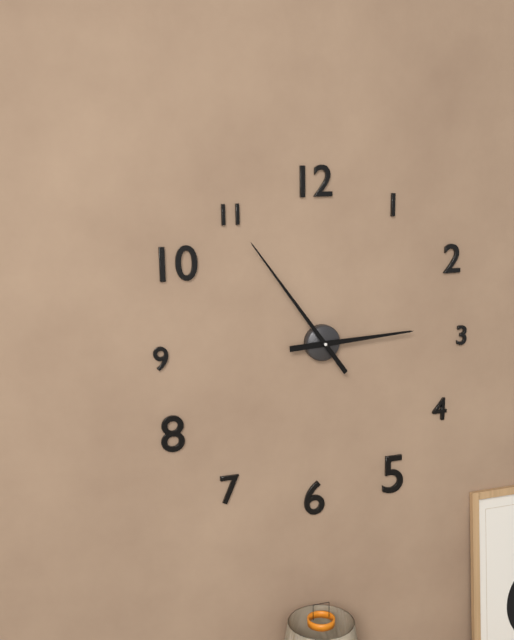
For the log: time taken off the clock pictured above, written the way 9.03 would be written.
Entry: 2.54
